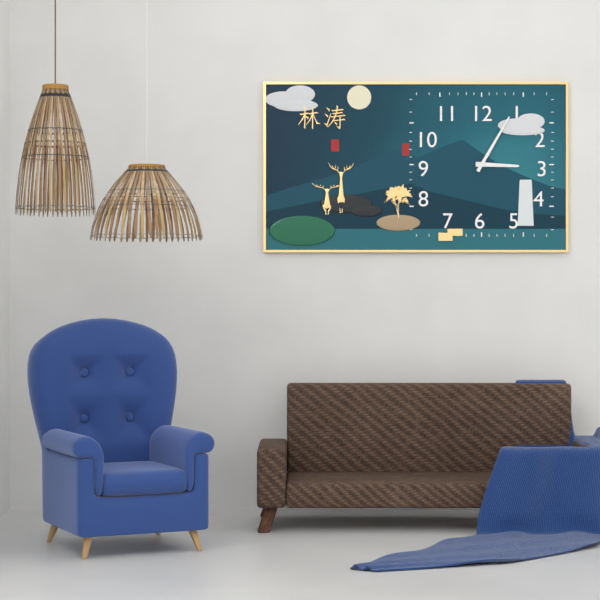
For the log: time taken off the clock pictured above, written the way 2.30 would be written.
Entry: 3.05
